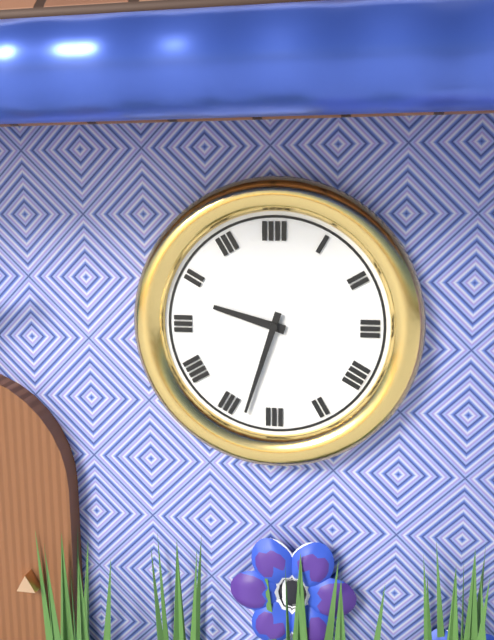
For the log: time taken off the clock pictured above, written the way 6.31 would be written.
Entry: 9.33
